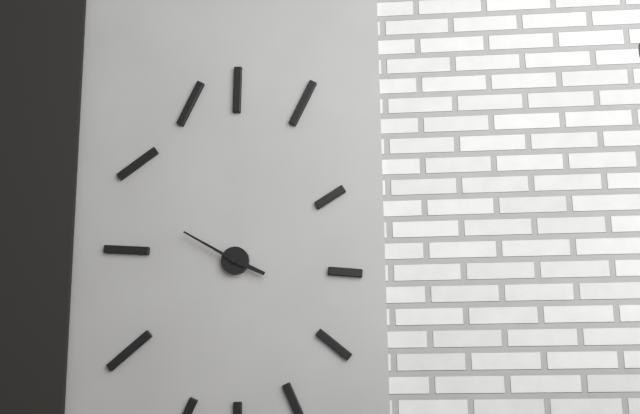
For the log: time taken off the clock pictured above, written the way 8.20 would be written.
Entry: 3.50
